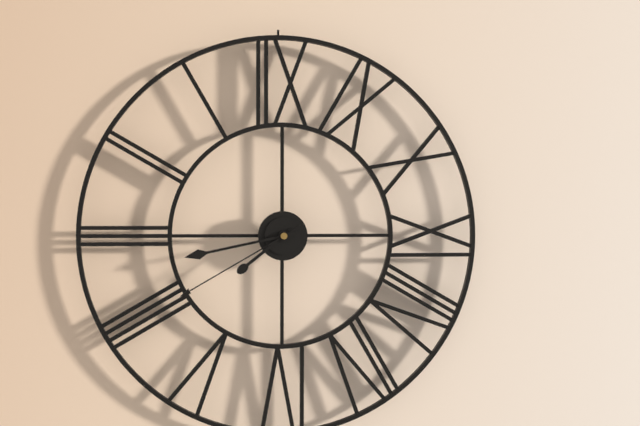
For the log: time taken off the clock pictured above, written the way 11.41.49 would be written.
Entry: 7.43.40
